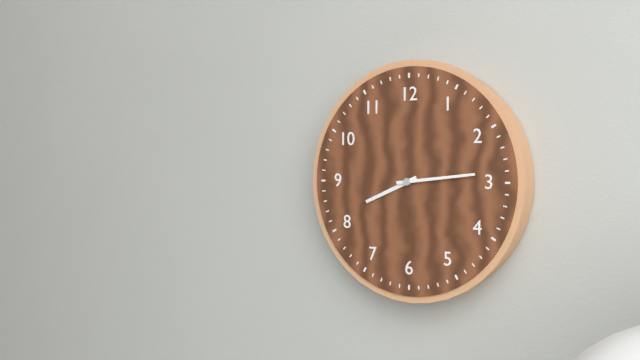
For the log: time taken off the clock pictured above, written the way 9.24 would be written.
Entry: 8.14
